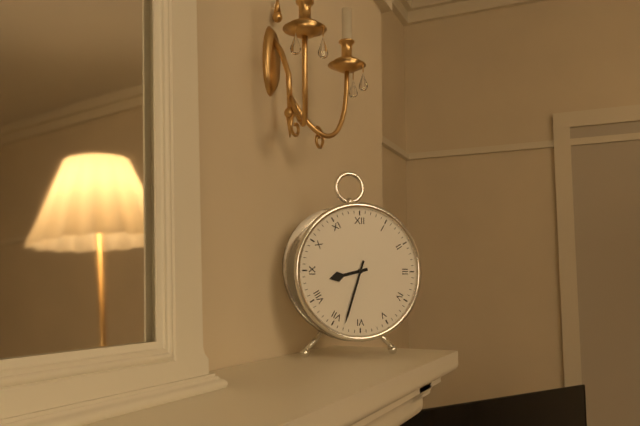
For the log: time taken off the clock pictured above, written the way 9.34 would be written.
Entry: 8.33
